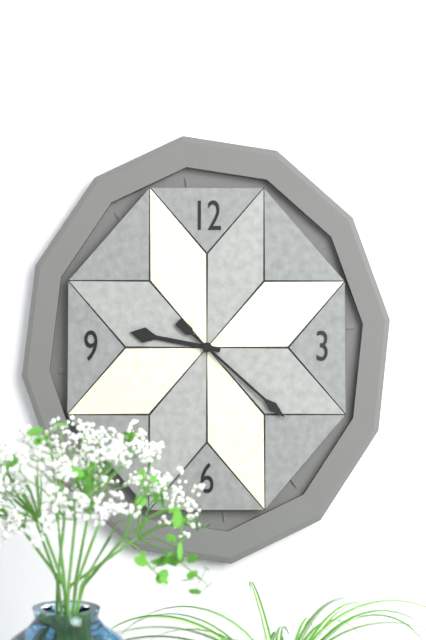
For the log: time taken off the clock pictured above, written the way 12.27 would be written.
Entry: 9.22
